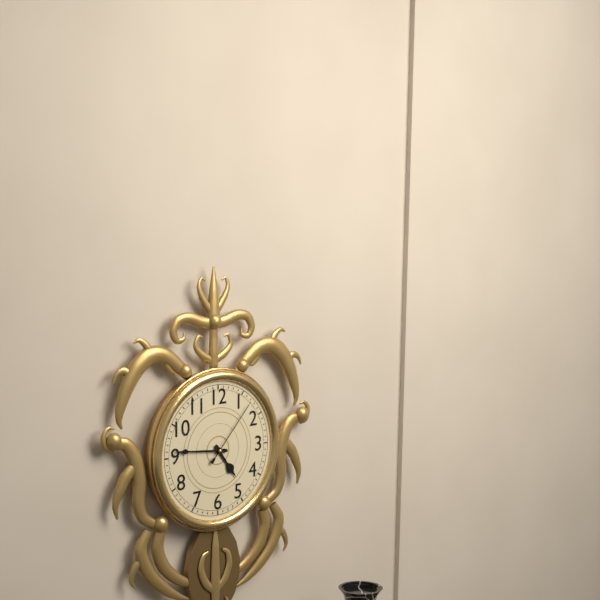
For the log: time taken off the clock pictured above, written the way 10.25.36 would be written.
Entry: 4.46.07
